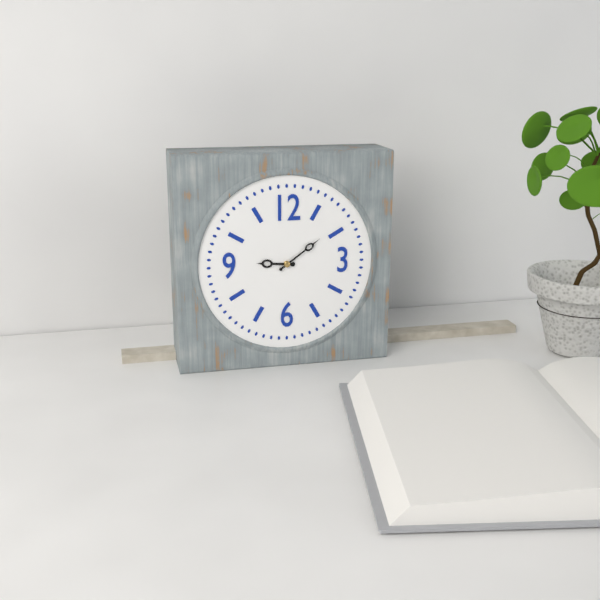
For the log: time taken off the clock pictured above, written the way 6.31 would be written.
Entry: 9.09
